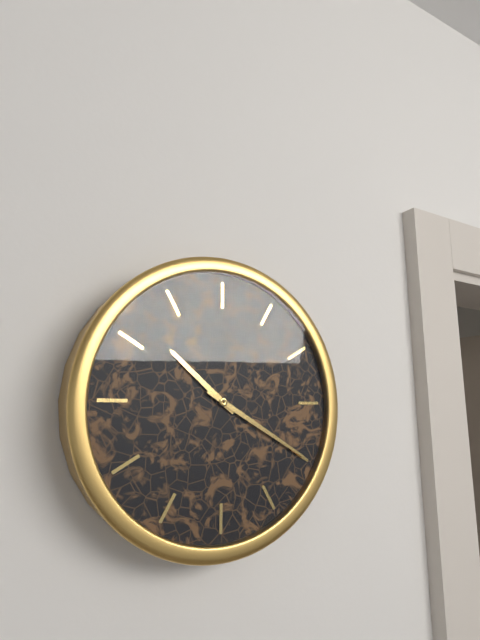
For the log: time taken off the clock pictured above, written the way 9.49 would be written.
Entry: 10.20
